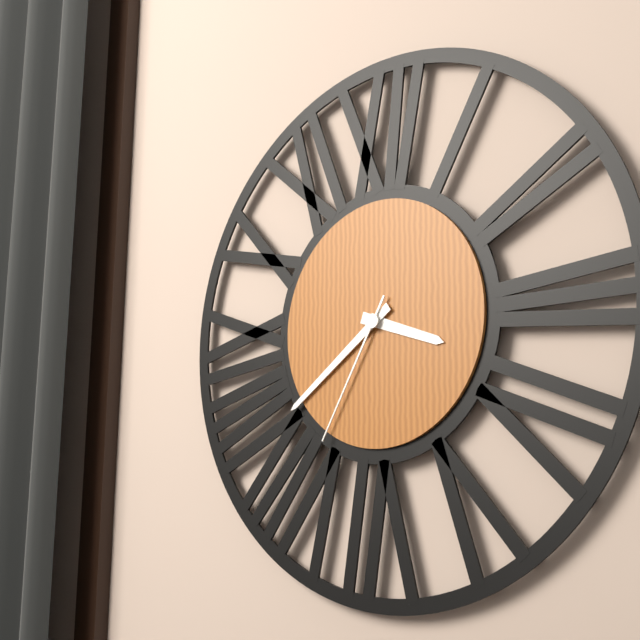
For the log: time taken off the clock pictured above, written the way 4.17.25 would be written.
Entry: 3.39.35
